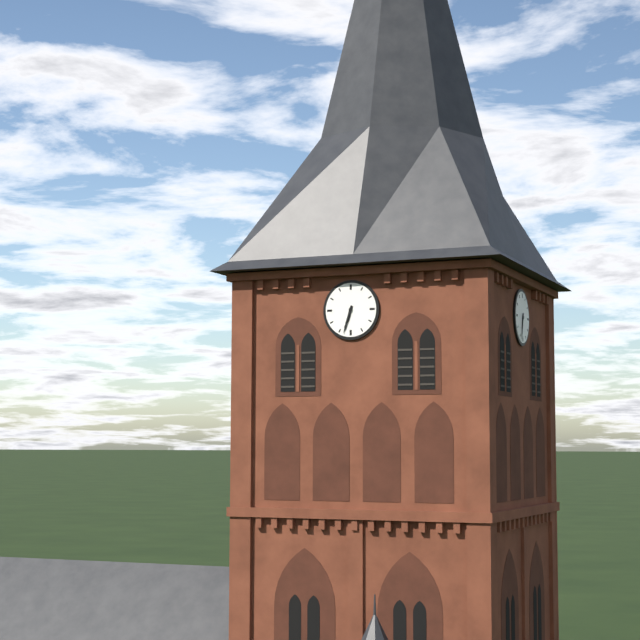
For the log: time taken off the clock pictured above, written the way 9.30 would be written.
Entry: 6.33
